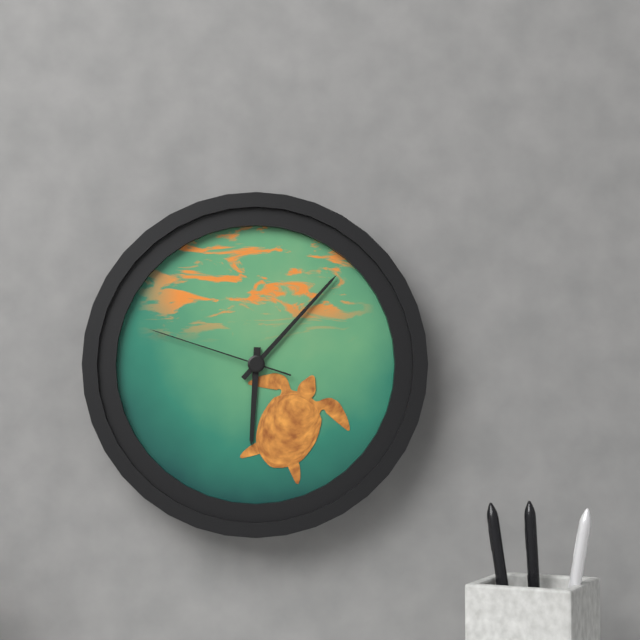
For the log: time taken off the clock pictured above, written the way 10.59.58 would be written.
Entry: 6.07.48
